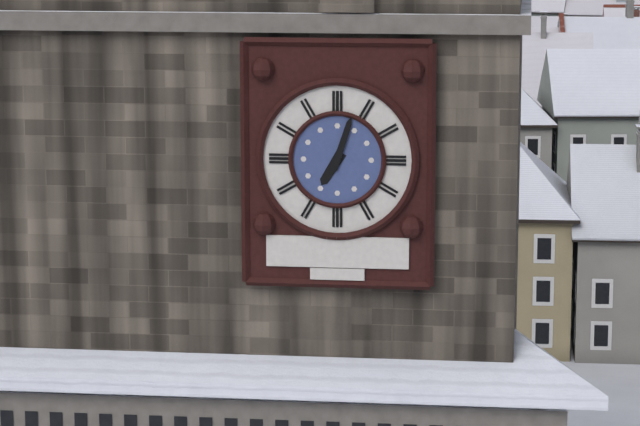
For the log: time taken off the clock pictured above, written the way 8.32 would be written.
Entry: 7.03
